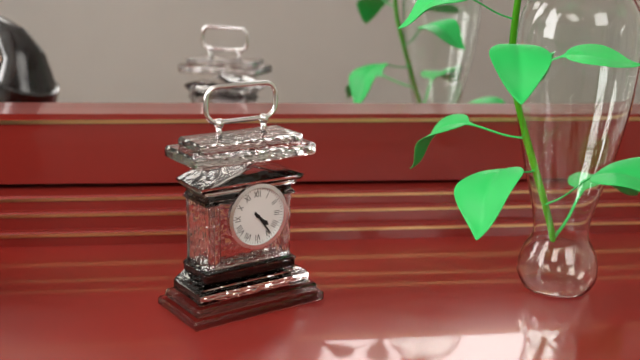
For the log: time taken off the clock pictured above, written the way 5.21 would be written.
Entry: 4.24
